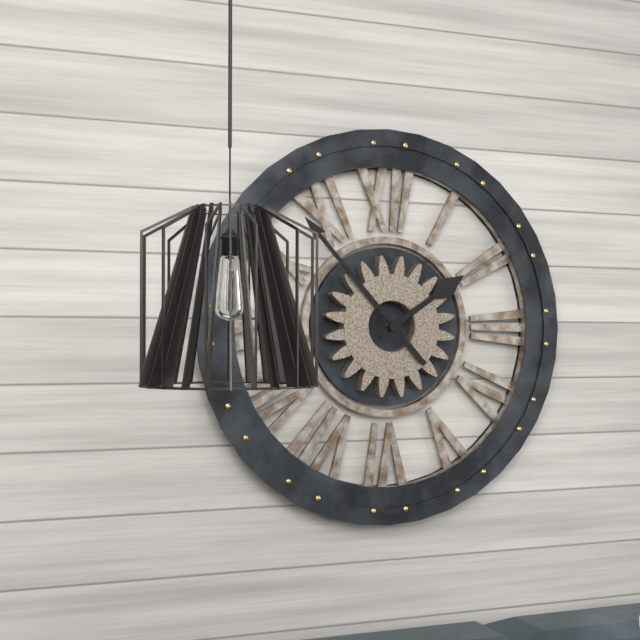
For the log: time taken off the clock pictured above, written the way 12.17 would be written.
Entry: 1.53
